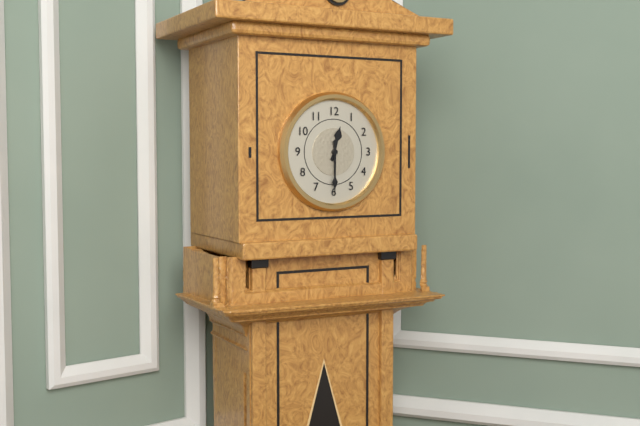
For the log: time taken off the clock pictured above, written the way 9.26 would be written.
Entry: 12.30
